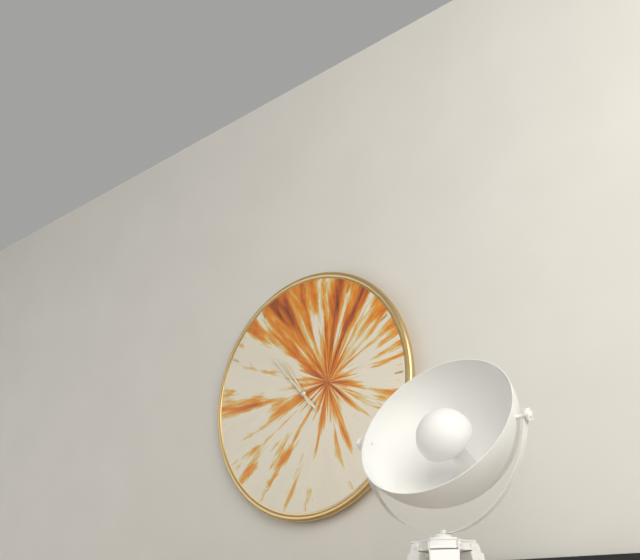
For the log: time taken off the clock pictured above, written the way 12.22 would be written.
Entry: 10.53
